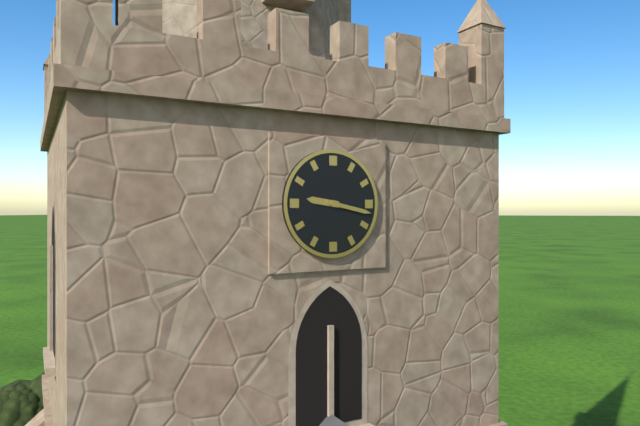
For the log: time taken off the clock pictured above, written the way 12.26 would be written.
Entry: 9.17
